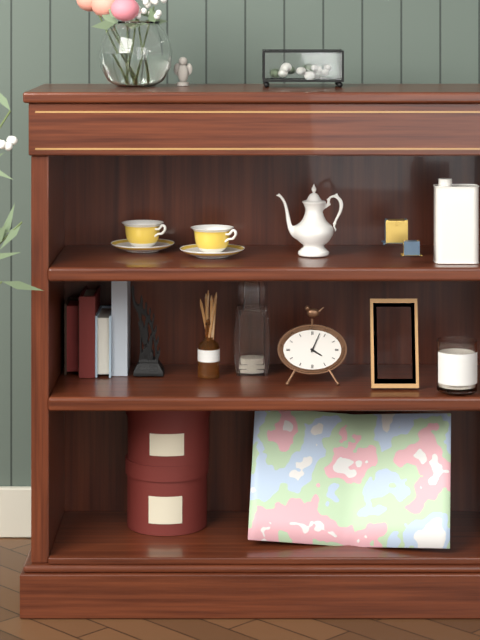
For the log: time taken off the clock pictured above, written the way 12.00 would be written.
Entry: 4.04
